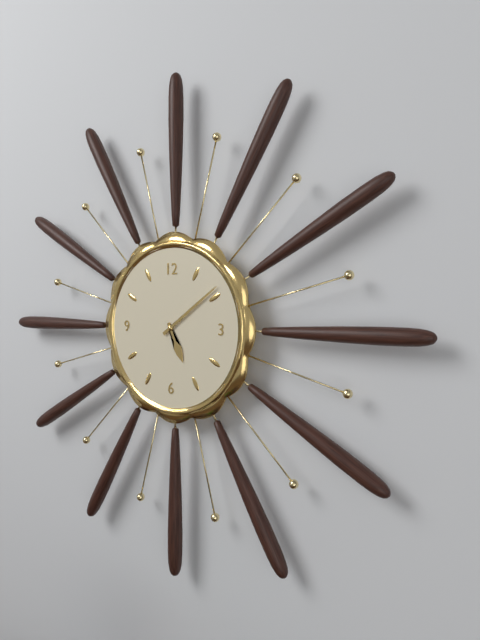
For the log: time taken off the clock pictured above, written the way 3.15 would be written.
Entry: 5.09
